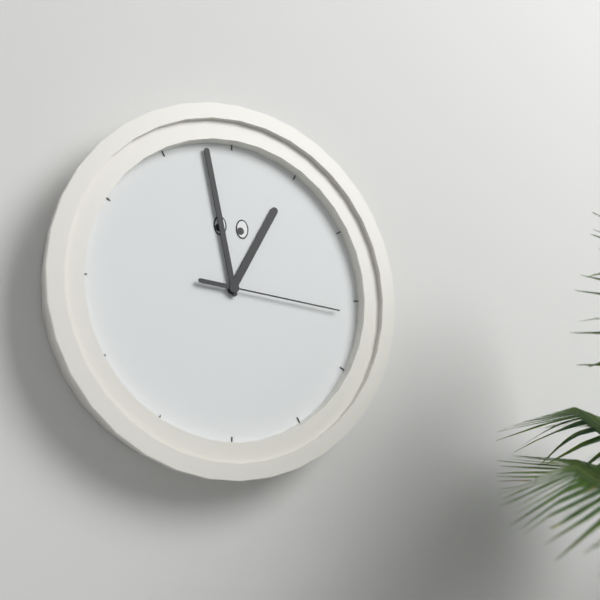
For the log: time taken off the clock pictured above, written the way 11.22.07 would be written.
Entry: 12.58.16
